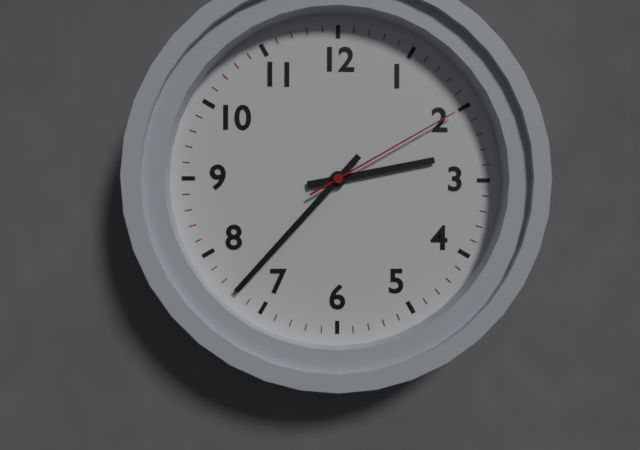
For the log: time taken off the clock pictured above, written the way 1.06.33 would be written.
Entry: 2.37.10
